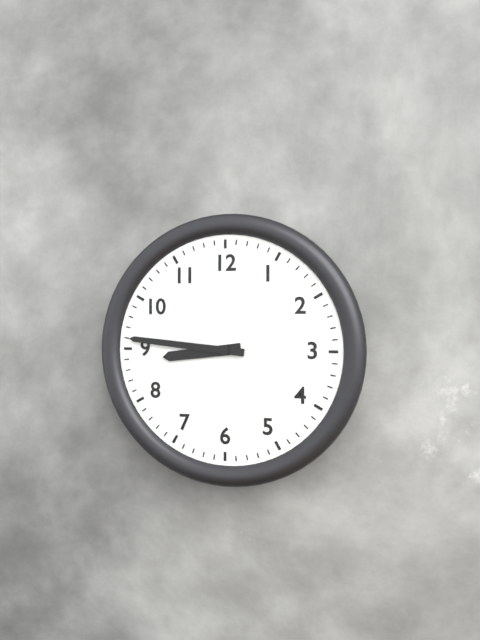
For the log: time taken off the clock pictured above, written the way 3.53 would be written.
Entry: 8.46
